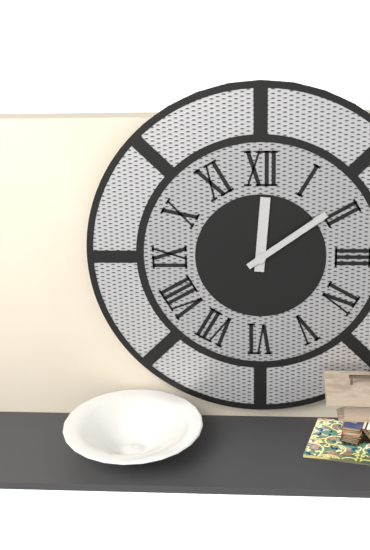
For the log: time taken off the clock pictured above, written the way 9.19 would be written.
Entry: 12.09
